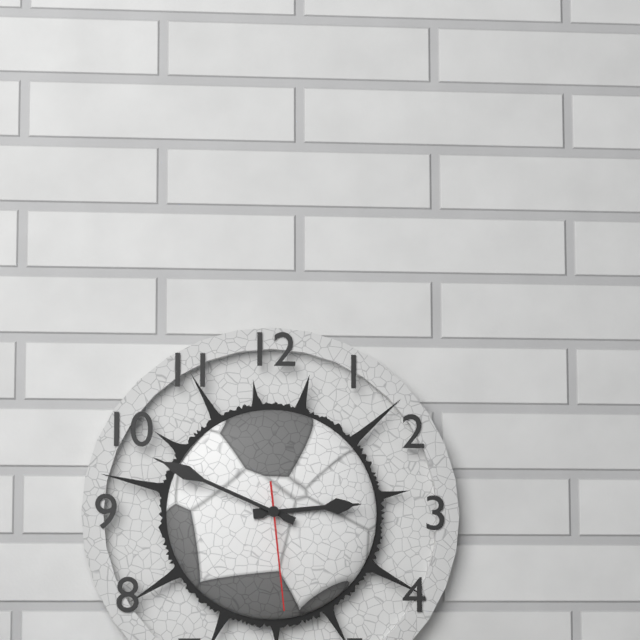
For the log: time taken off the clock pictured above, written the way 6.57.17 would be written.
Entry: 2.49.29
